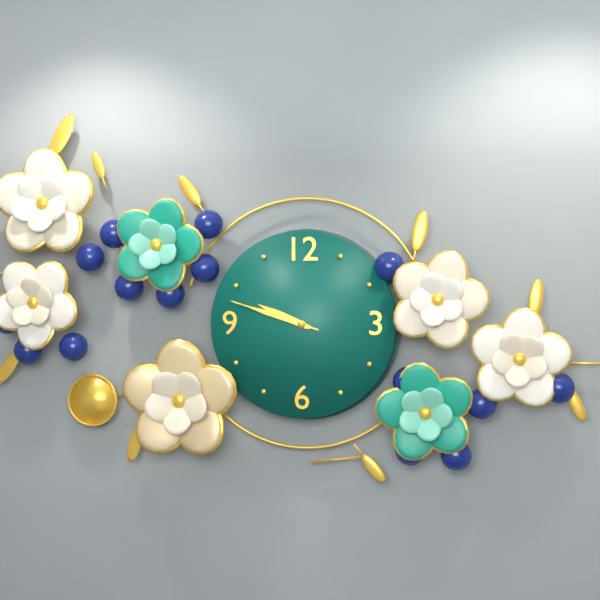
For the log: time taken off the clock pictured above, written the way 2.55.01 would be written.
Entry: 9.48.48
